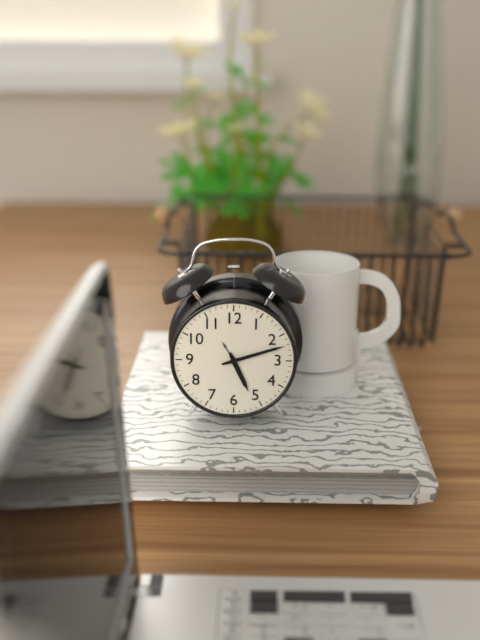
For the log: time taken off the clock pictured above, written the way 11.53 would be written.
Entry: 5.12
